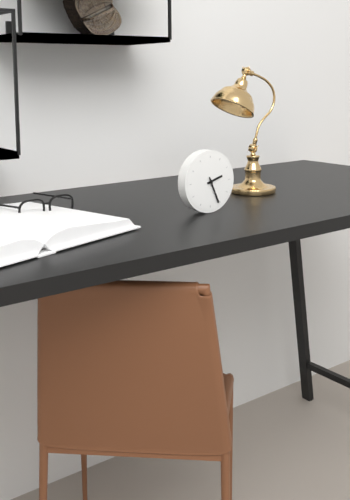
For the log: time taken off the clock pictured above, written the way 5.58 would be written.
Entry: 2.26
